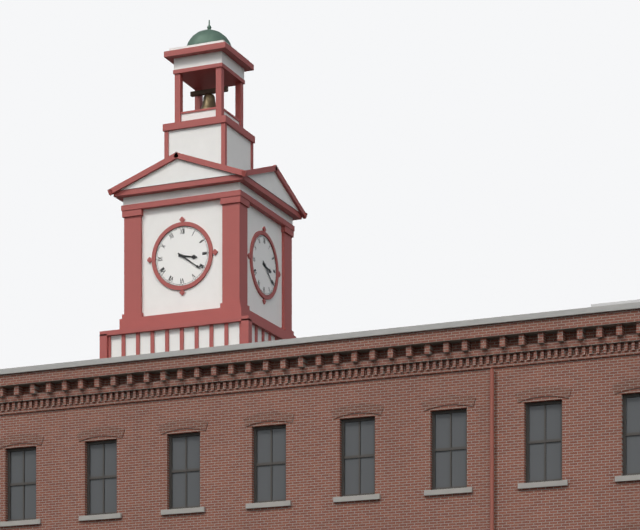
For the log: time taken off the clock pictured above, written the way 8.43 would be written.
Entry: 3.21
